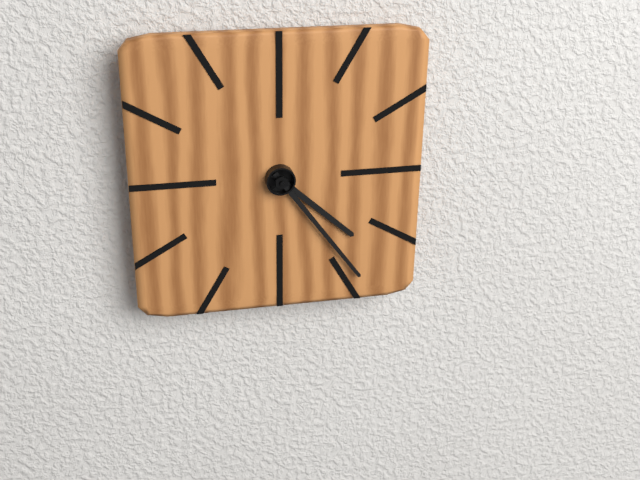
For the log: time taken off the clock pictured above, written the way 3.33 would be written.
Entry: 4.24
